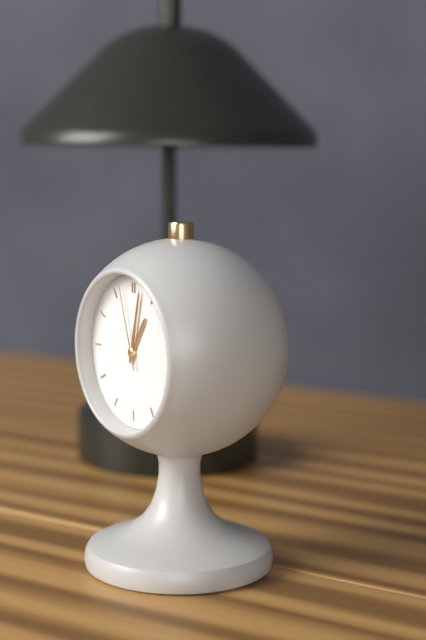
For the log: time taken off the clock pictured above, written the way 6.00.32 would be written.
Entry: 1.02.57
